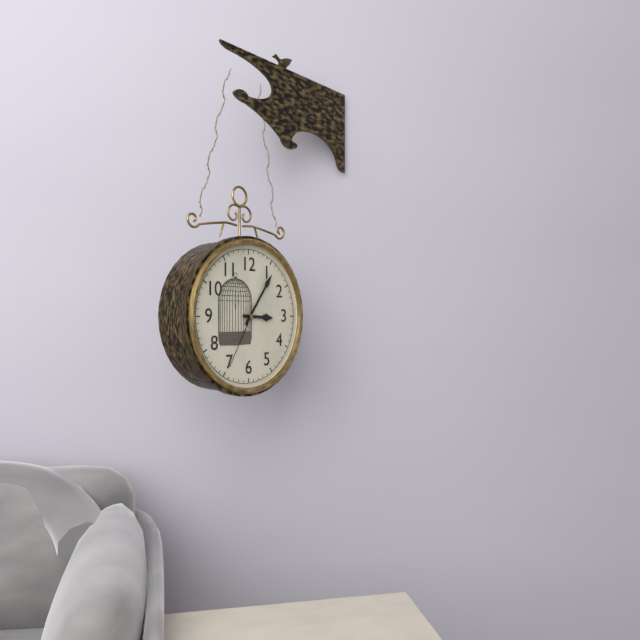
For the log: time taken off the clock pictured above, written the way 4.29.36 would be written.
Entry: 3.06.35
